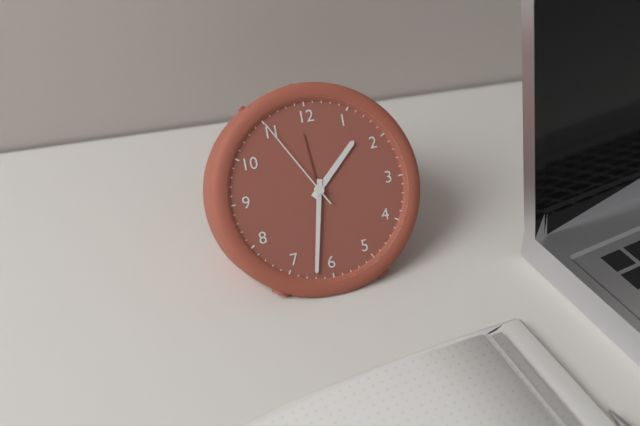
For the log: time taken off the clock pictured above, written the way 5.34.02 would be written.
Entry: 1.32.55
